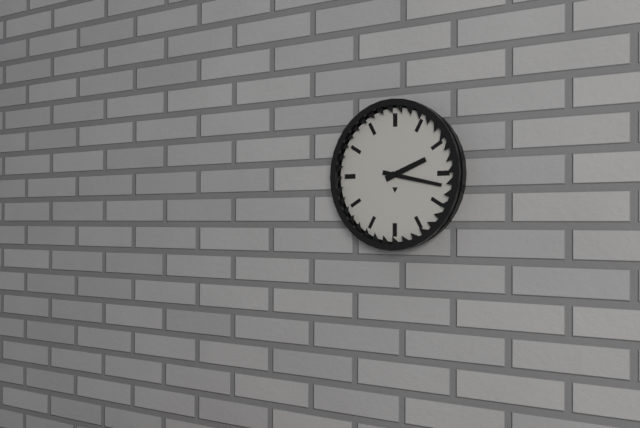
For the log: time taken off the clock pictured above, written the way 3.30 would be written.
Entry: 2.17
